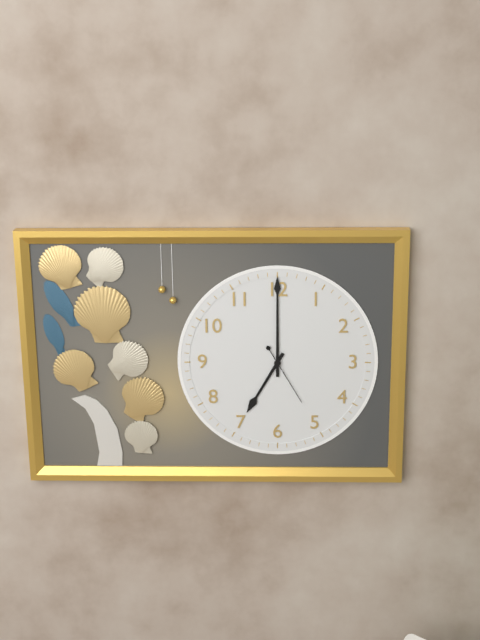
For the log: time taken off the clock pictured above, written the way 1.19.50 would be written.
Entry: 7.00.25
